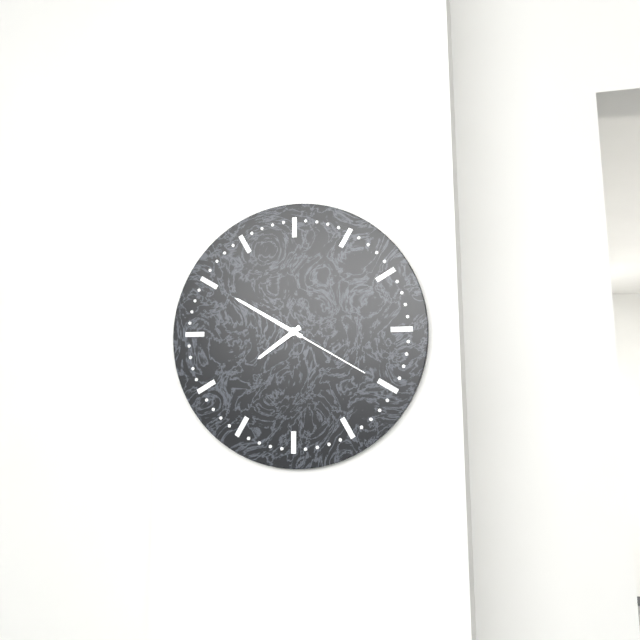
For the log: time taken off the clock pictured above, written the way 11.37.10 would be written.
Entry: 7.50.20
